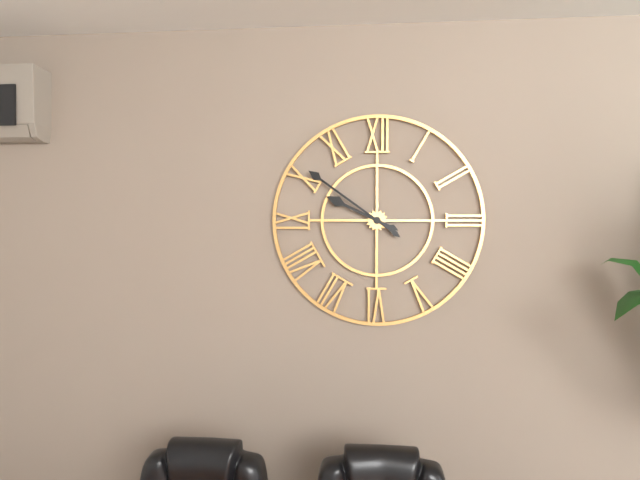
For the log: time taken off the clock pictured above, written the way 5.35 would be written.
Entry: 9.51
